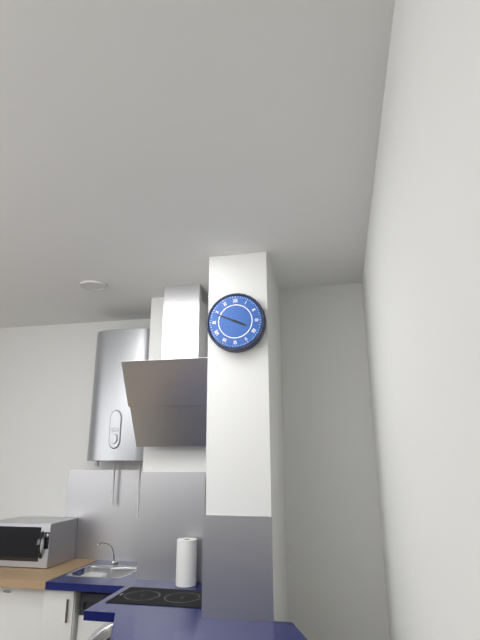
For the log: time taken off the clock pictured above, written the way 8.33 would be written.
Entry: 3.49
